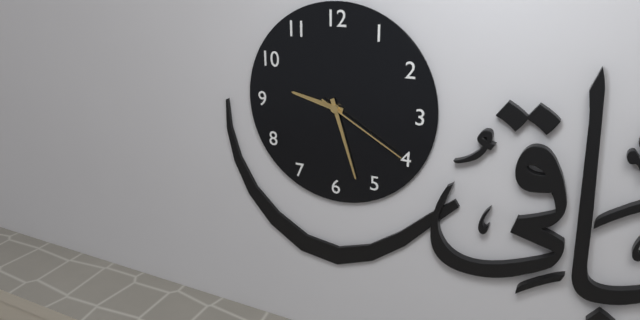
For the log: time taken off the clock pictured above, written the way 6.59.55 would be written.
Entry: 9.27.20
